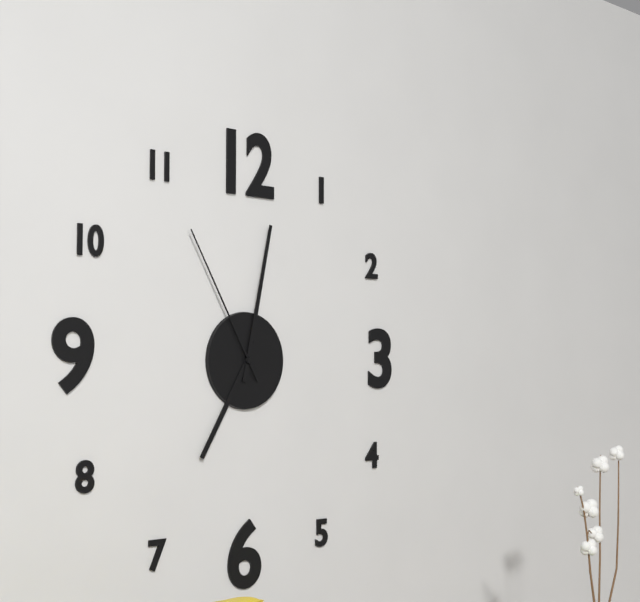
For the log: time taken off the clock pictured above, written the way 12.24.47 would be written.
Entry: 7.02.55
